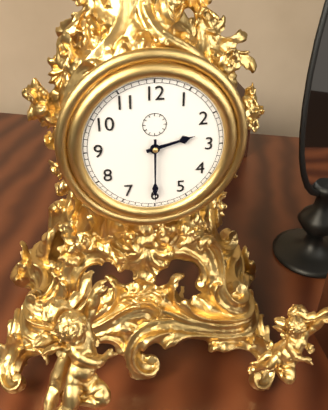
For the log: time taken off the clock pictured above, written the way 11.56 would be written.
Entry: 2.30
